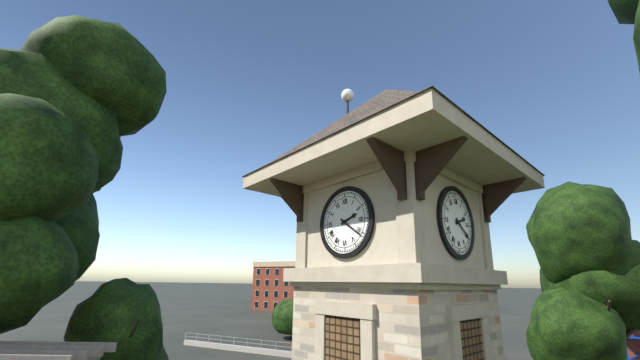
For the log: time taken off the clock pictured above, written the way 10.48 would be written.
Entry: 2.21
